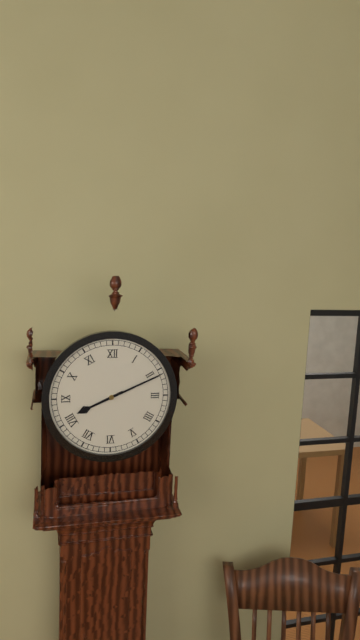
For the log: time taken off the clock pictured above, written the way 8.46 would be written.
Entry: 8.11
